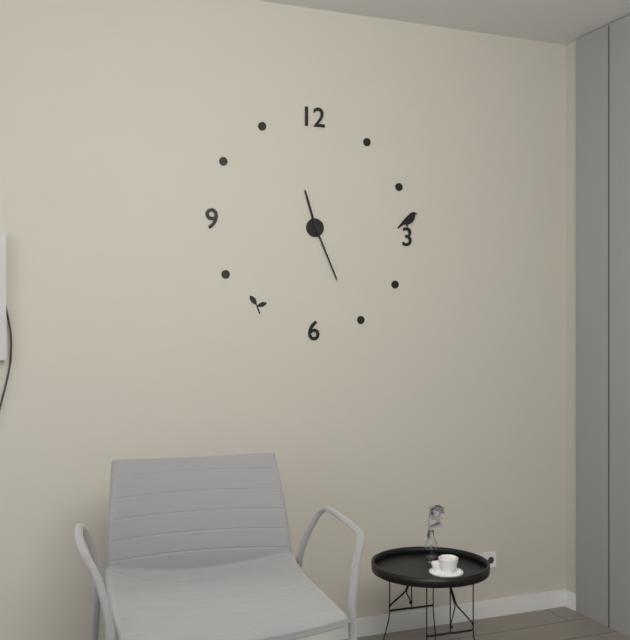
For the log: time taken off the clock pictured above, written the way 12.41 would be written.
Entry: 11.26
